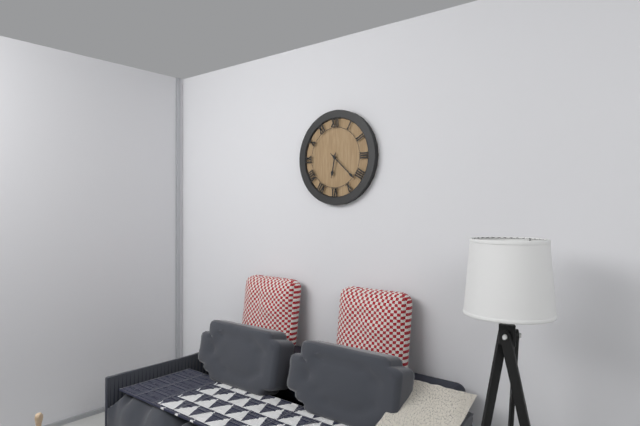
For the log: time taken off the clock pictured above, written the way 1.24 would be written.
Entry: 6.22
